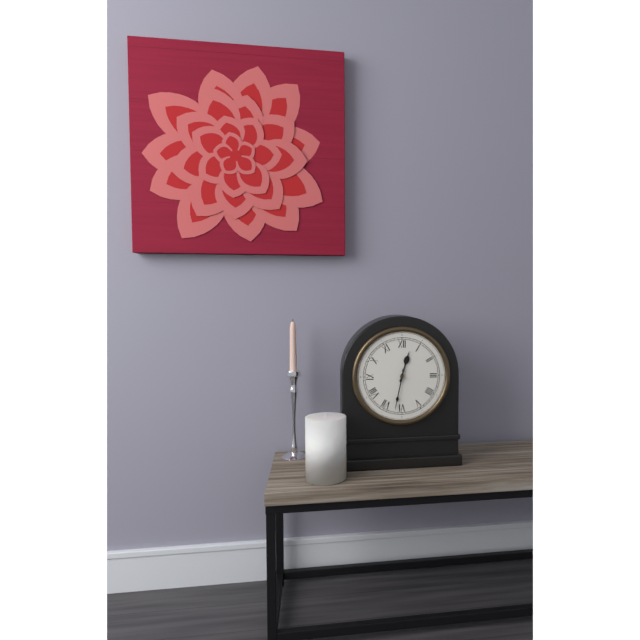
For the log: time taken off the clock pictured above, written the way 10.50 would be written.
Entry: 12.32
